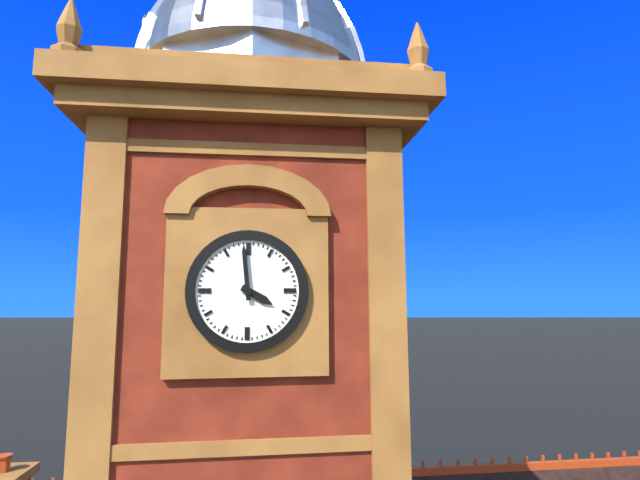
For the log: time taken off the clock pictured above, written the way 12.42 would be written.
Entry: 3.59
